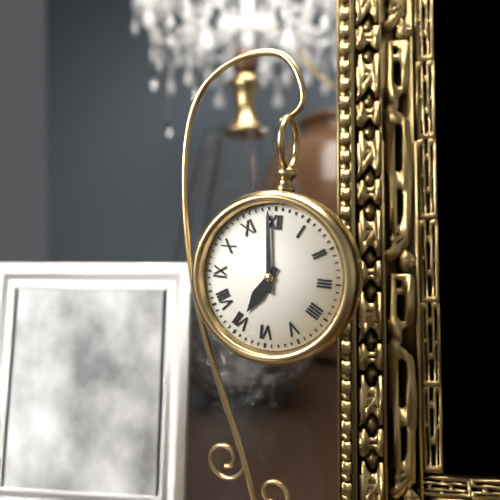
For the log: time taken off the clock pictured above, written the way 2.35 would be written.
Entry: 6.59
